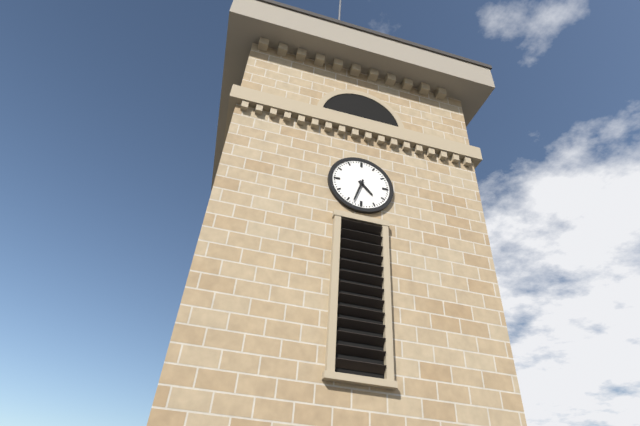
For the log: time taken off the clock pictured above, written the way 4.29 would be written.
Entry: 4.33
